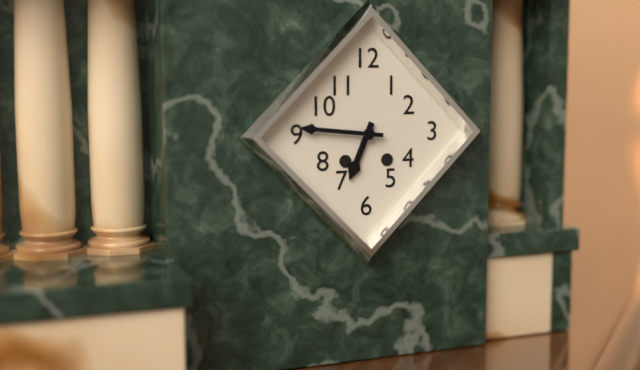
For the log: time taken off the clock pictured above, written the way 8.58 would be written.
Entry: 6.46
